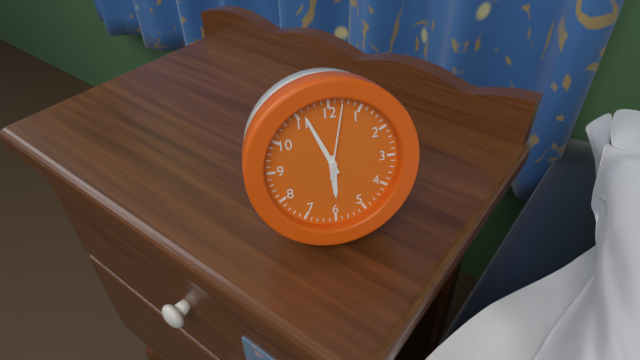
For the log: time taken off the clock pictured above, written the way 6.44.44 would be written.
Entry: 5.56.02
